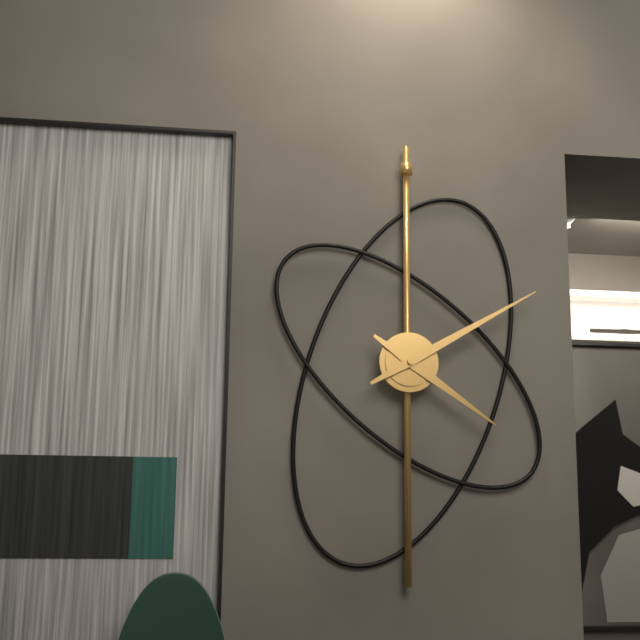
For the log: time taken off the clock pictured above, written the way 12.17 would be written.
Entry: 4.10
